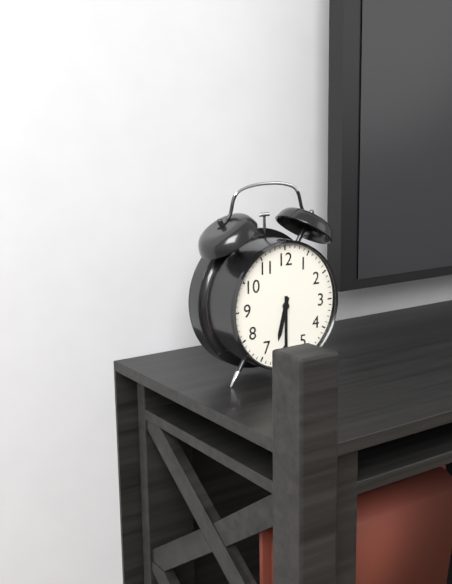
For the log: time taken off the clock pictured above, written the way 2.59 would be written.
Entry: 6.30
